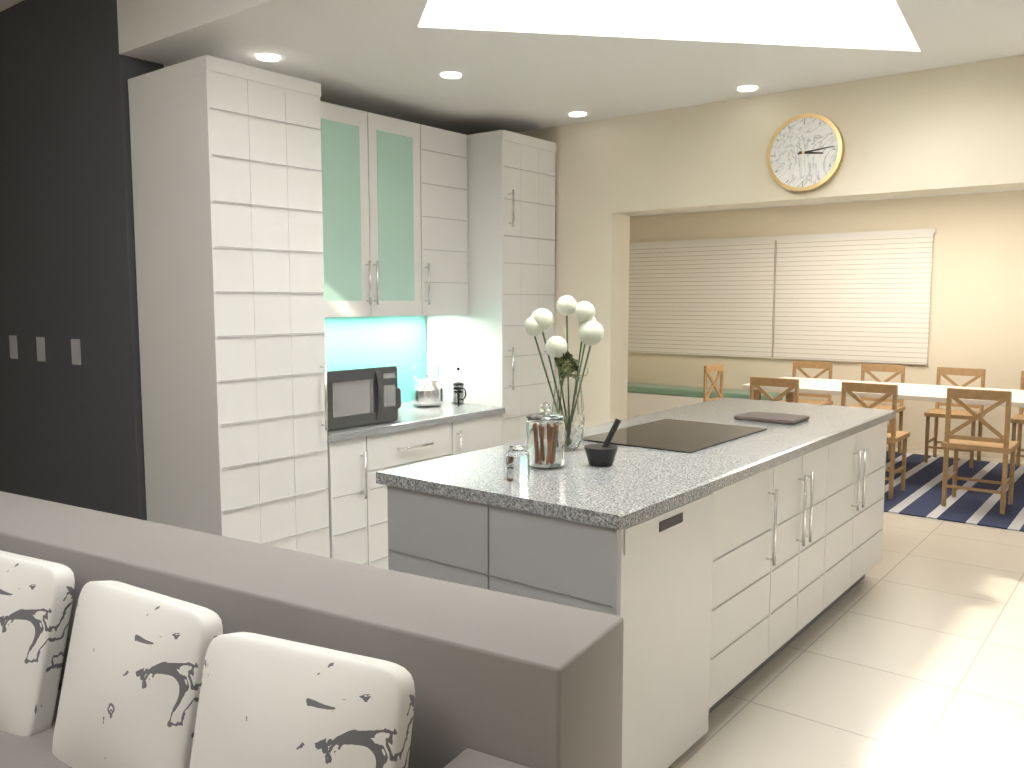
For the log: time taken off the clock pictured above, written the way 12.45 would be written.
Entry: 3.14
